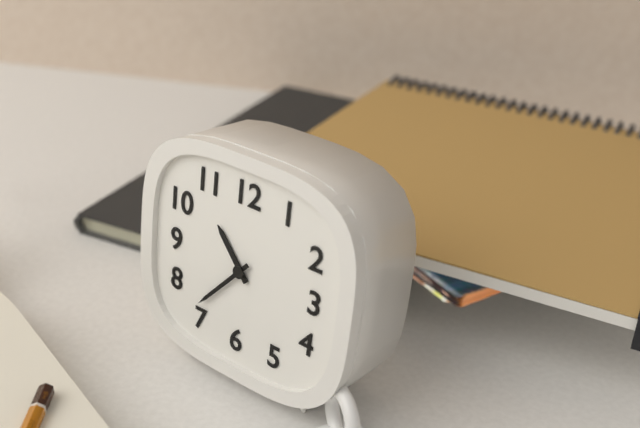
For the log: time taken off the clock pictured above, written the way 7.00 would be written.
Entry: 10.37
